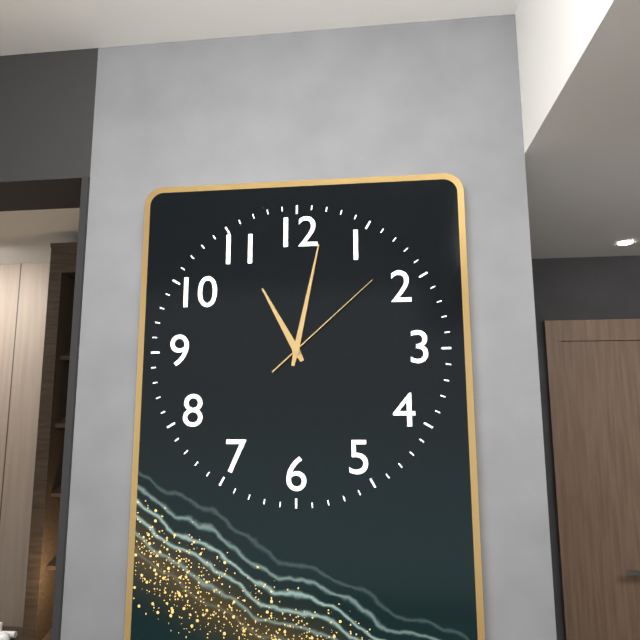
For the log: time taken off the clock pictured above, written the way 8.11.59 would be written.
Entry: 11.02.08
